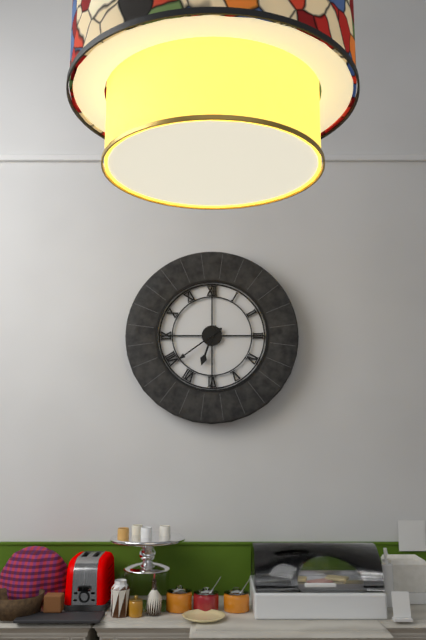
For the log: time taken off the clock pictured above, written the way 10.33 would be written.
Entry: 6.39
